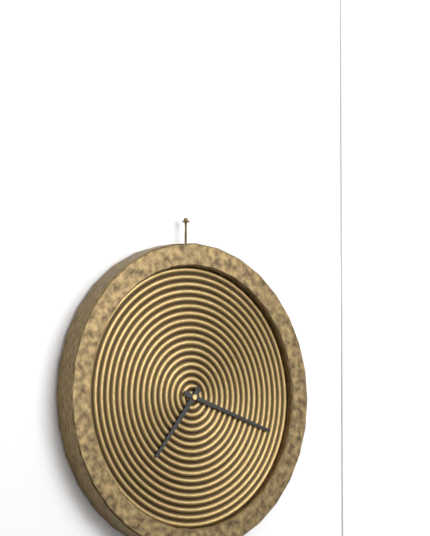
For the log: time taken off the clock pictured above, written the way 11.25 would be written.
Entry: 7.18
